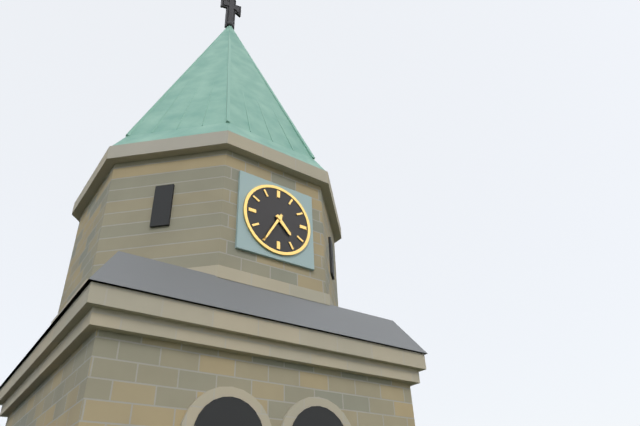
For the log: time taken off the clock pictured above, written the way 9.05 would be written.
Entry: 4.35
